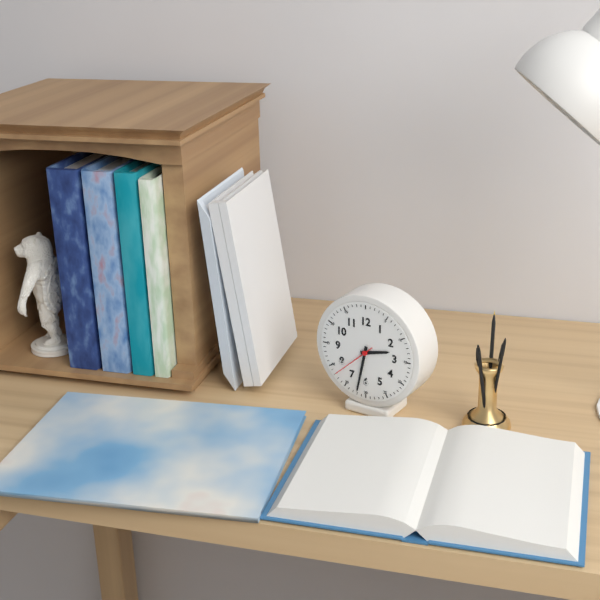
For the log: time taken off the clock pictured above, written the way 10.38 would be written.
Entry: 2.32
